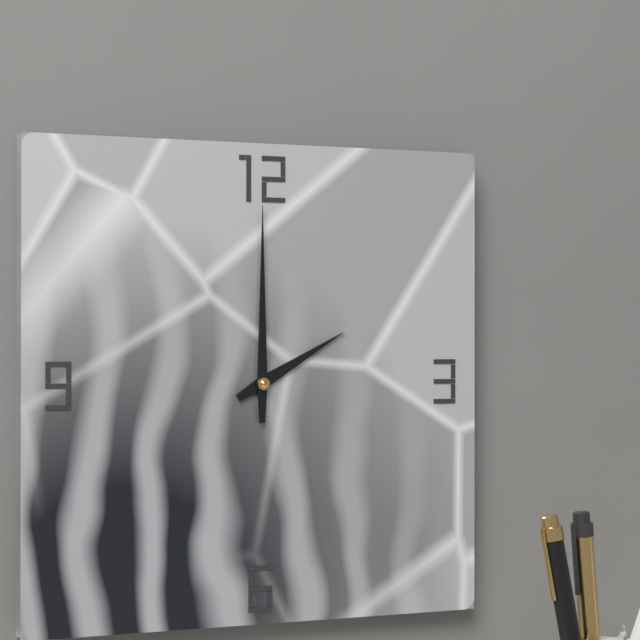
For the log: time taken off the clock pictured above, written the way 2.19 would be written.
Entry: 2.00
